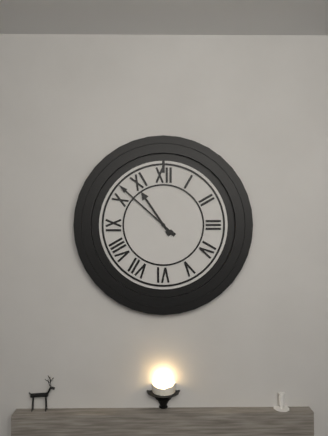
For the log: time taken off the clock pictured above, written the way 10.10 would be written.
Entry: 10.52
